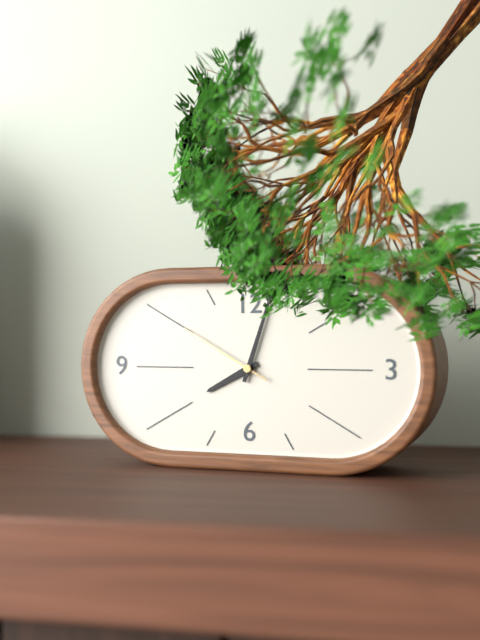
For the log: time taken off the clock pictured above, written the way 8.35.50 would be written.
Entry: 8.03.50
